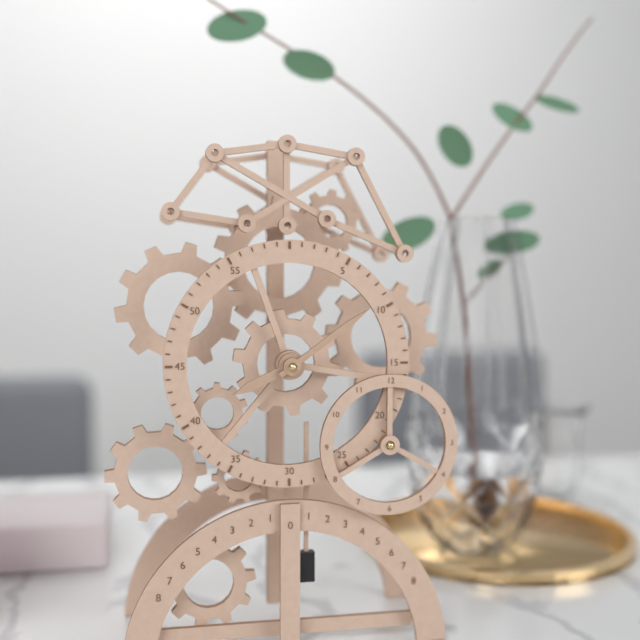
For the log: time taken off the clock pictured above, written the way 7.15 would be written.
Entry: 8.09
